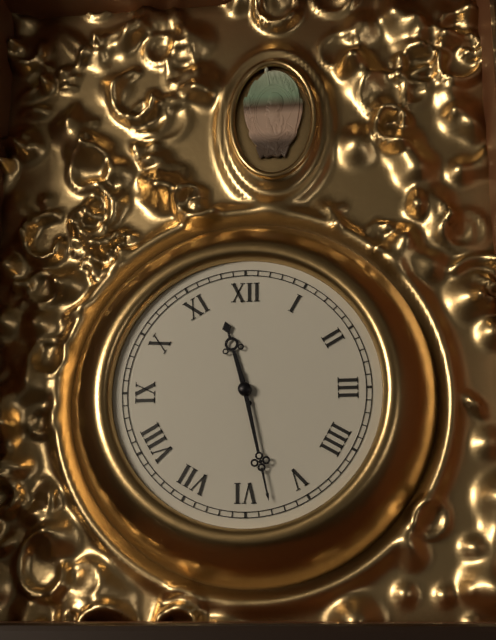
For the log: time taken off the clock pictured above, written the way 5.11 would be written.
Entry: 11.28
